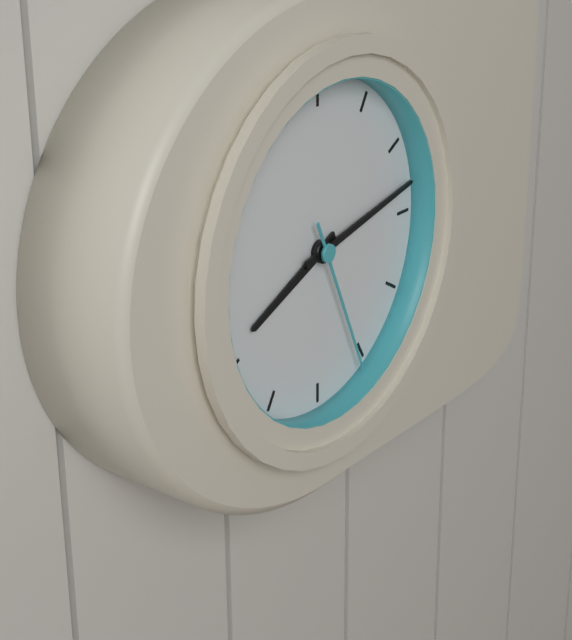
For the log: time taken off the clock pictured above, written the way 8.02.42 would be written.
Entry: 8.13.26
